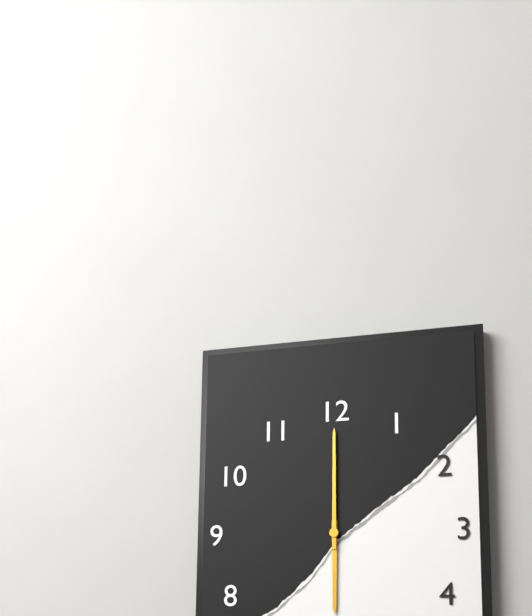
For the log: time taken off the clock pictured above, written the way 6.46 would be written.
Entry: 6.00
